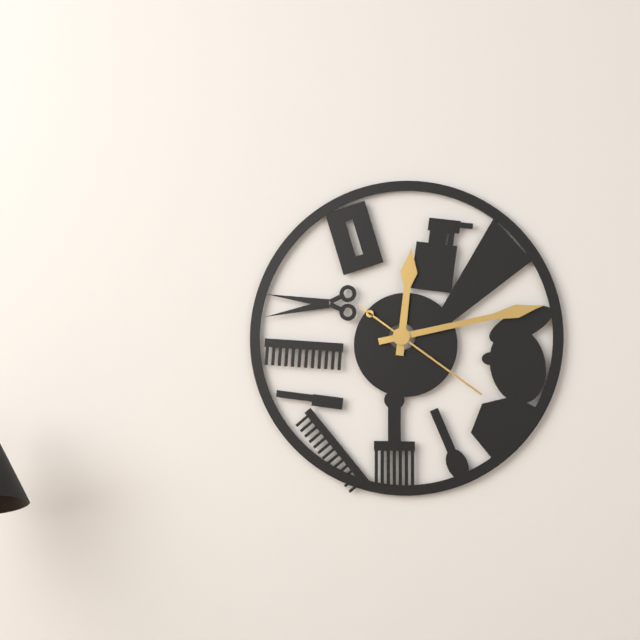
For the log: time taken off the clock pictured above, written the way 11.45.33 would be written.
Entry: 12.13.21
